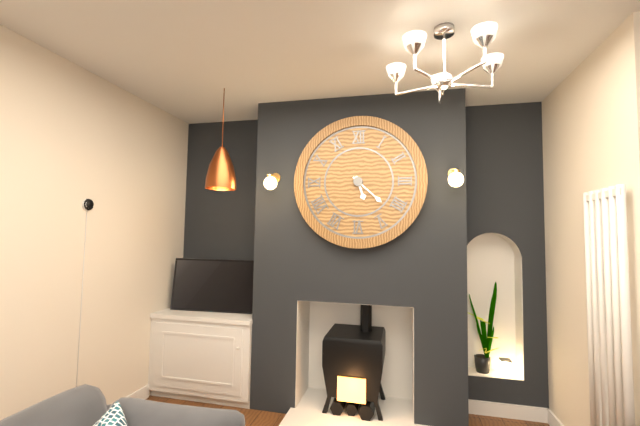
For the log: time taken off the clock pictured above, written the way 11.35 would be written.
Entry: 5.22
